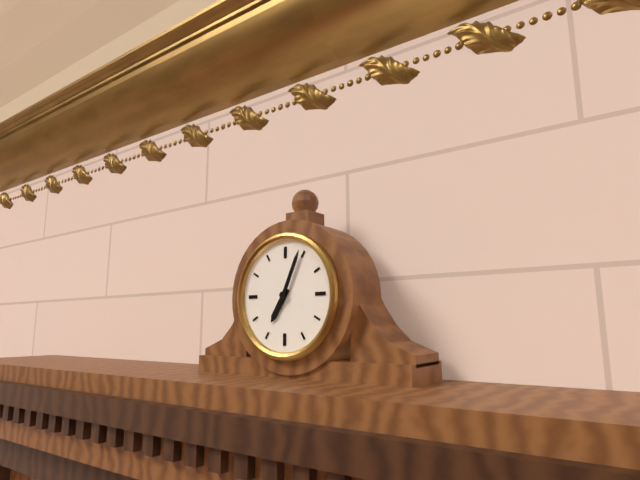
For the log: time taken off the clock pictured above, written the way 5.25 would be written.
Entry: 7.04
